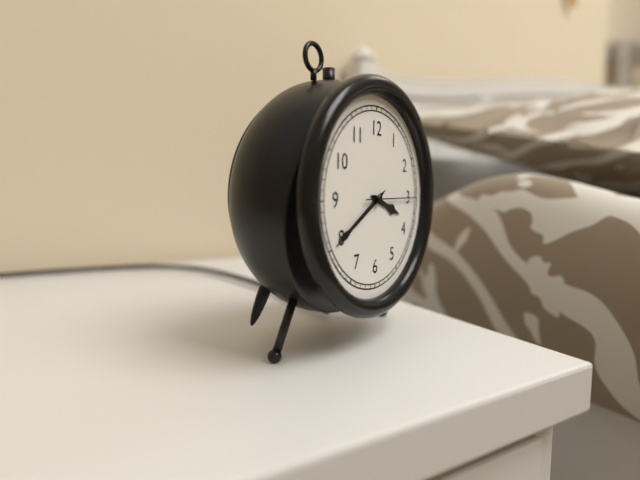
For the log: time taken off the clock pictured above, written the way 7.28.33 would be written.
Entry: 3.40.15
